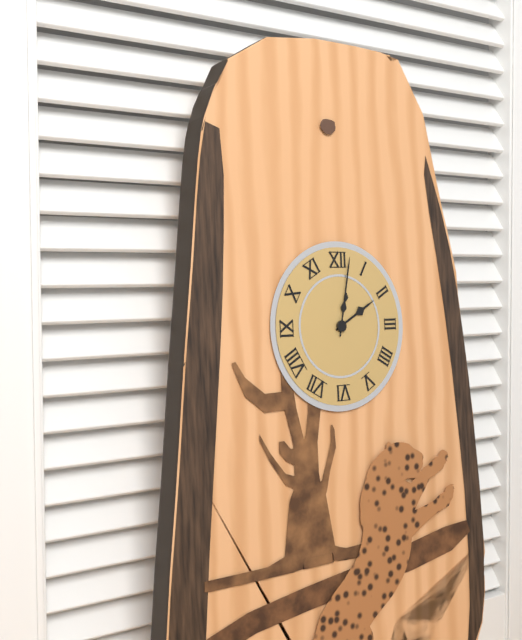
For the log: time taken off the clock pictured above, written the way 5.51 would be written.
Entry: 2.02
